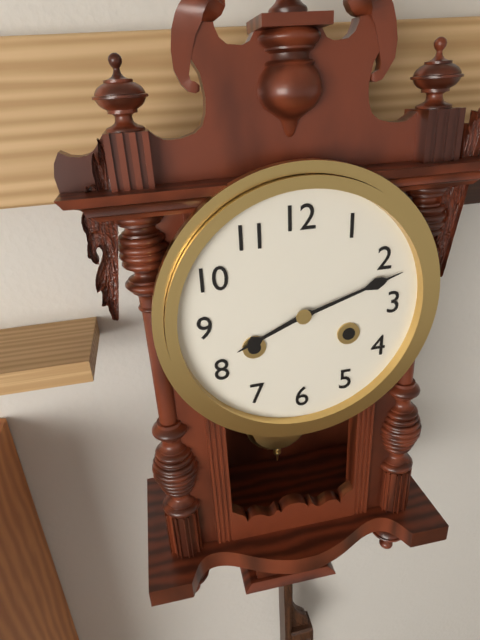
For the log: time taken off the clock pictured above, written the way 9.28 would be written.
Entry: 8.12
